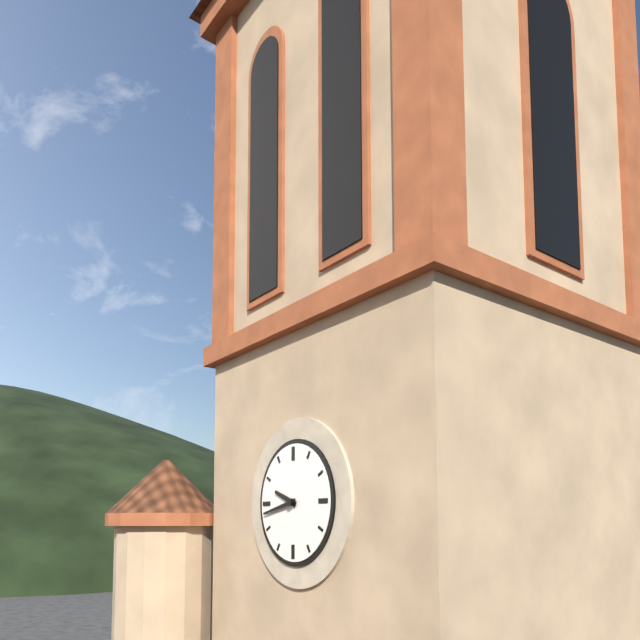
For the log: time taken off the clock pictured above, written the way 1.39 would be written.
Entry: 9.43
